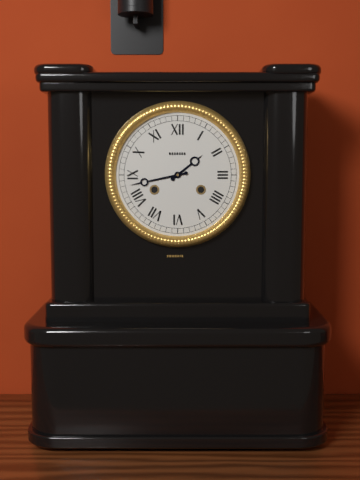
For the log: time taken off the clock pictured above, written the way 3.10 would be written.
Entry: 1.43
